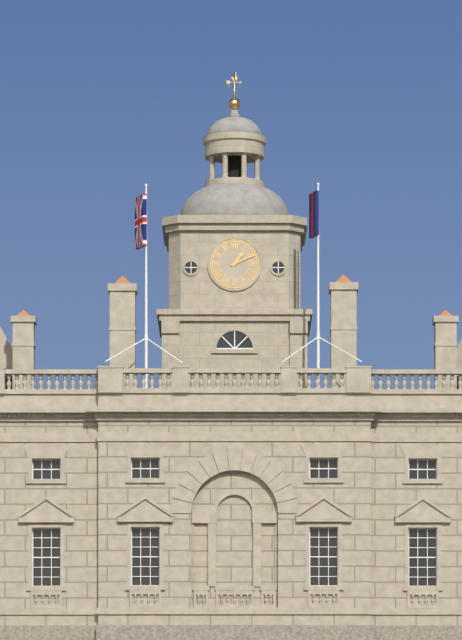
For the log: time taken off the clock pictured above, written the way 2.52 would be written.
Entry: 1.11
